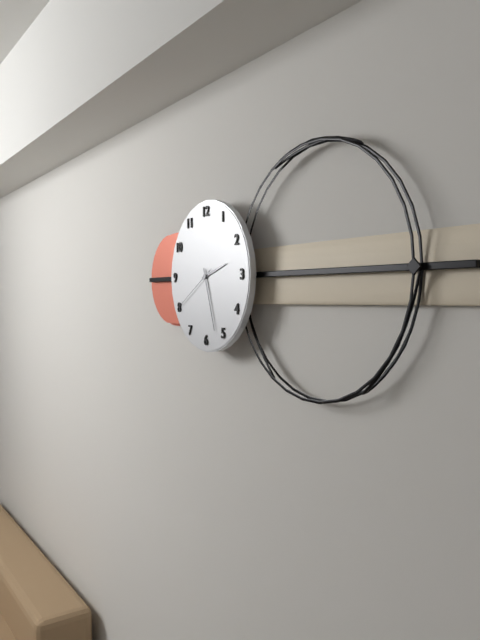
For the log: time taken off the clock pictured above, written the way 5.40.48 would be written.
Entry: 2.27.40
